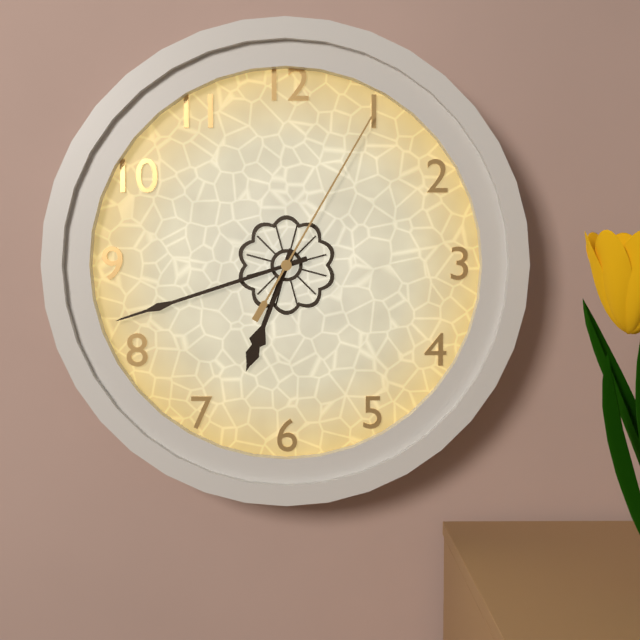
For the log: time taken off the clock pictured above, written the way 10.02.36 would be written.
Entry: 6.42.05
